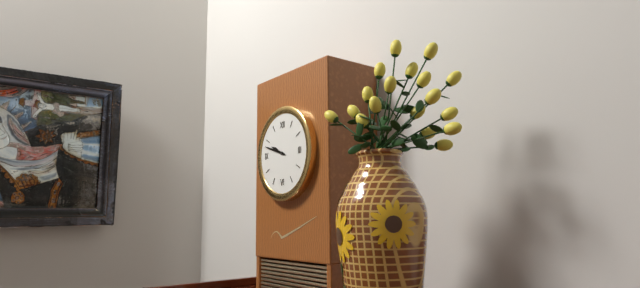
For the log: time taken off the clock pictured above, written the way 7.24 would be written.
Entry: 9.48
